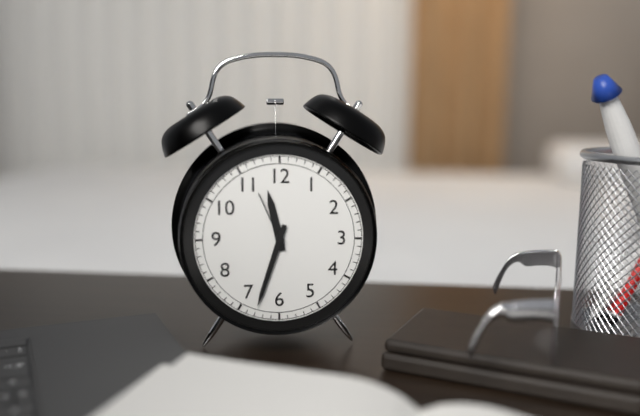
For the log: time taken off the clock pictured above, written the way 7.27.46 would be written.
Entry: 11.33.56
